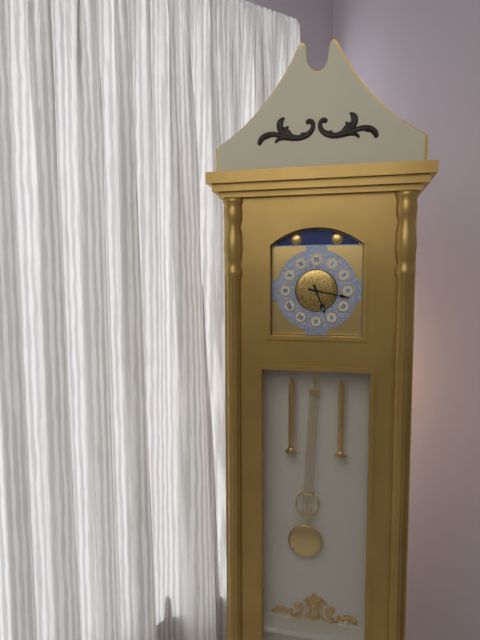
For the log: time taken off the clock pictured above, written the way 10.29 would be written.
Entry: 5.17
